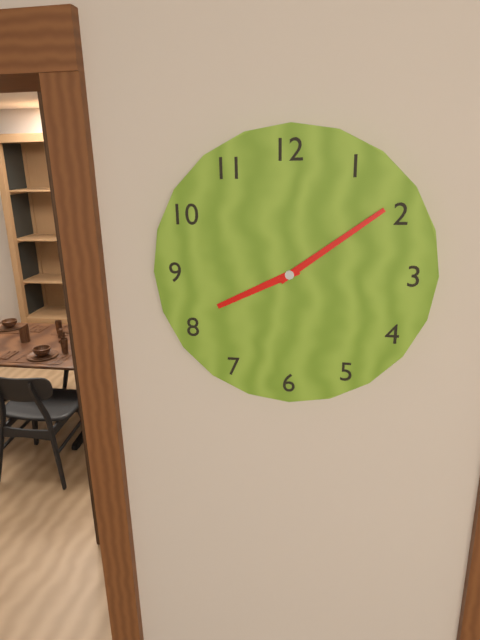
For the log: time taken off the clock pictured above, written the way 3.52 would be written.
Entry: 8.09
